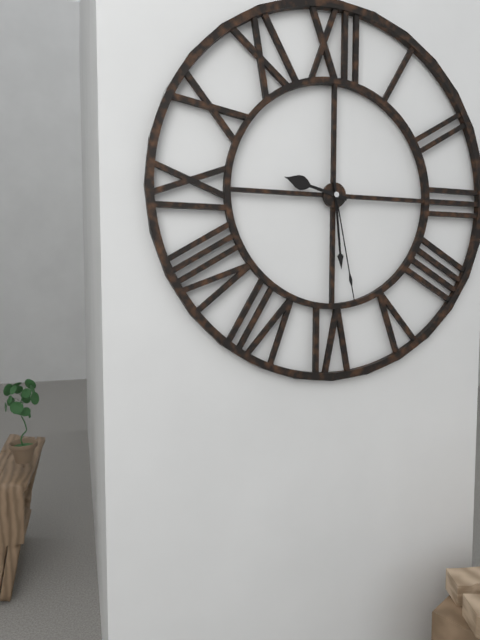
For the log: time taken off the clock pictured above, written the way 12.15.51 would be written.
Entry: 9.29.28
